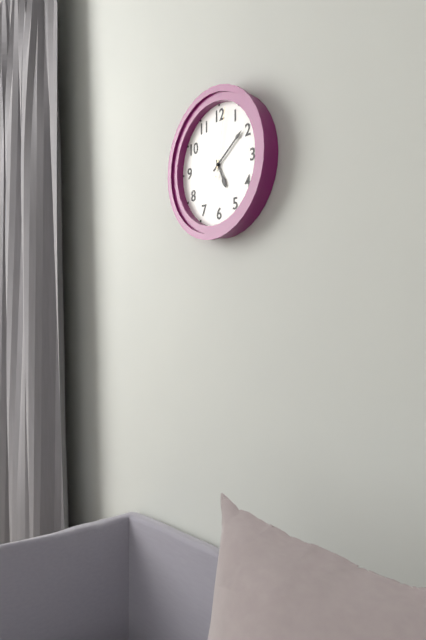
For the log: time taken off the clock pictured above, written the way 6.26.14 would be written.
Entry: 5.09.02
